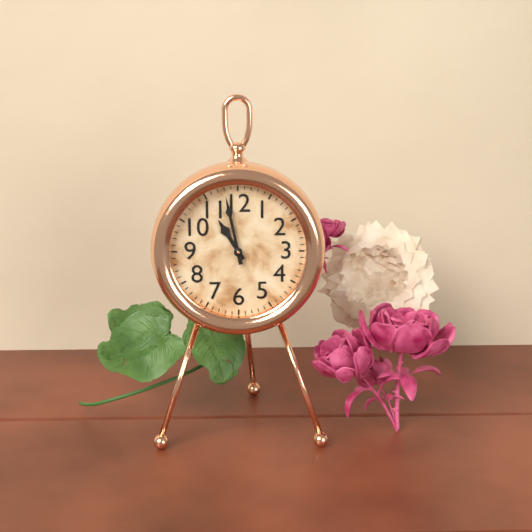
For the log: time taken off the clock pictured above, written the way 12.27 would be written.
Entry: 10.58
